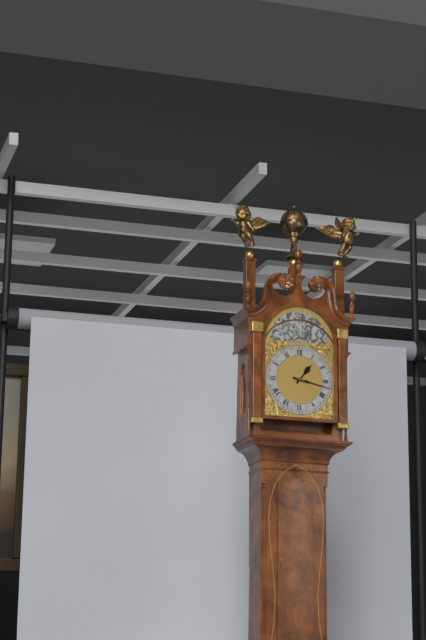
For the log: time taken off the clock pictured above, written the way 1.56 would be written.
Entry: 1.17
